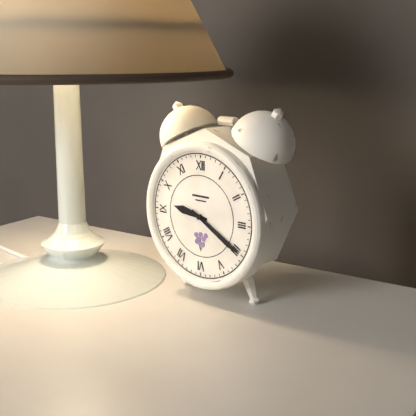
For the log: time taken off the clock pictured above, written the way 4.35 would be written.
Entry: 9.20
